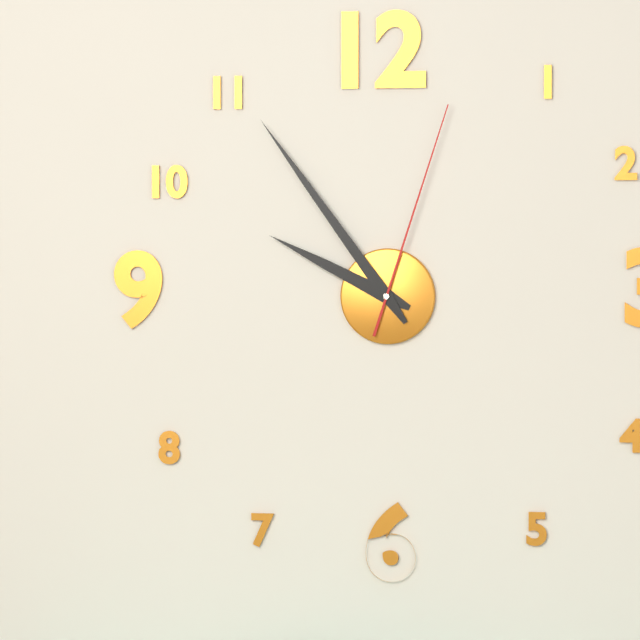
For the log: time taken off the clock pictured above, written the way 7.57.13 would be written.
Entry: 9.54.03
